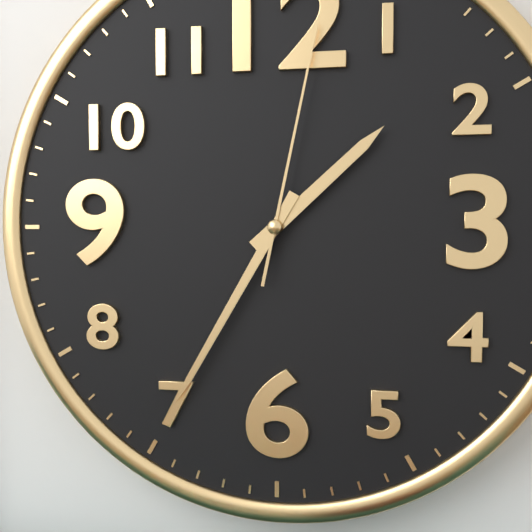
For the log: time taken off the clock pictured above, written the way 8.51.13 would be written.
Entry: 1.35.02
